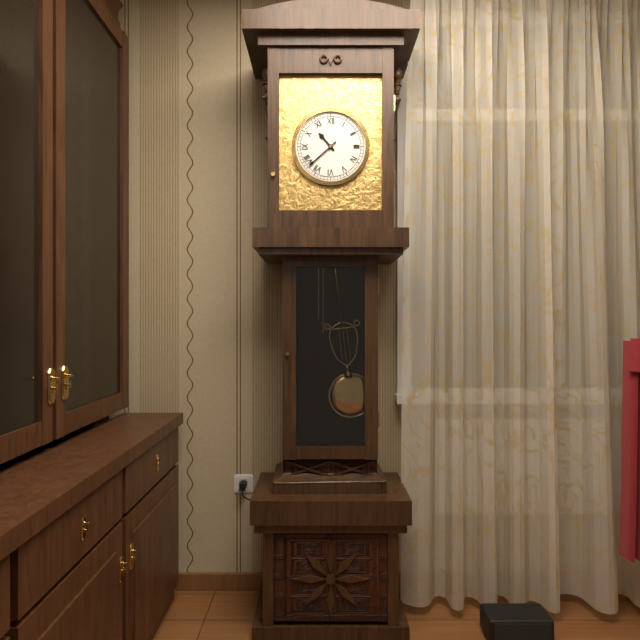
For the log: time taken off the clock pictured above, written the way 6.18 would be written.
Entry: 10.38
